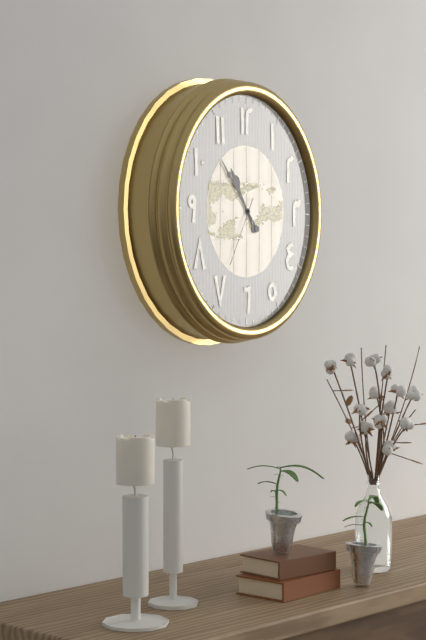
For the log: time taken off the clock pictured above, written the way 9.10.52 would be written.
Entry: 10.53.35
